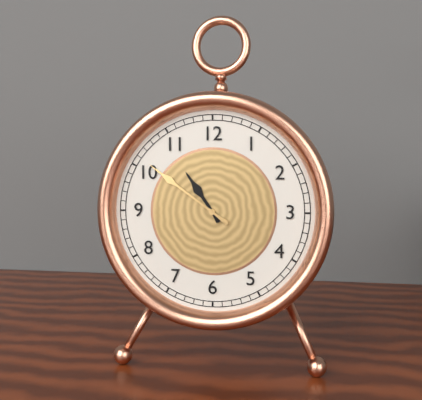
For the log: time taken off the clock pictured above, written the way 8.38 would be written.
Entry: 10.51
